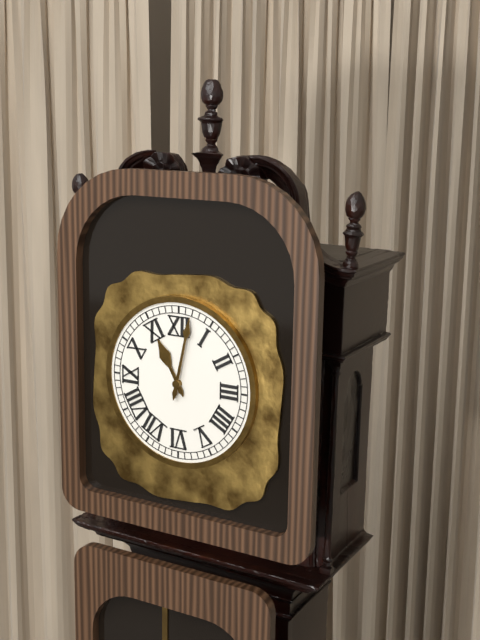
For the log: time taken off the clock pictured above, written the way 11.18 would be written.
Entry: 11.02
